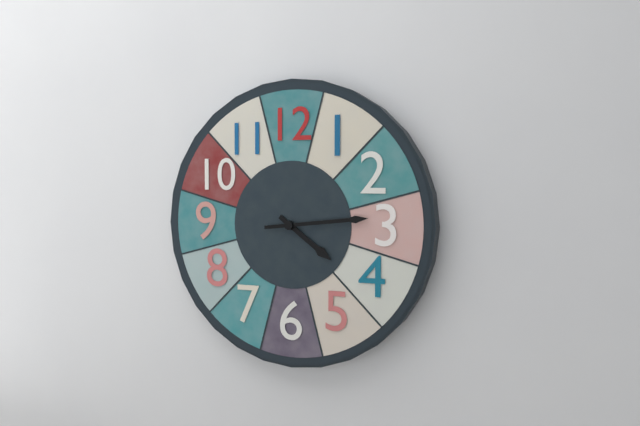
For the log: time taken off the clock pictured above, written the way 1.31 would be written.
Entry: 4.14
